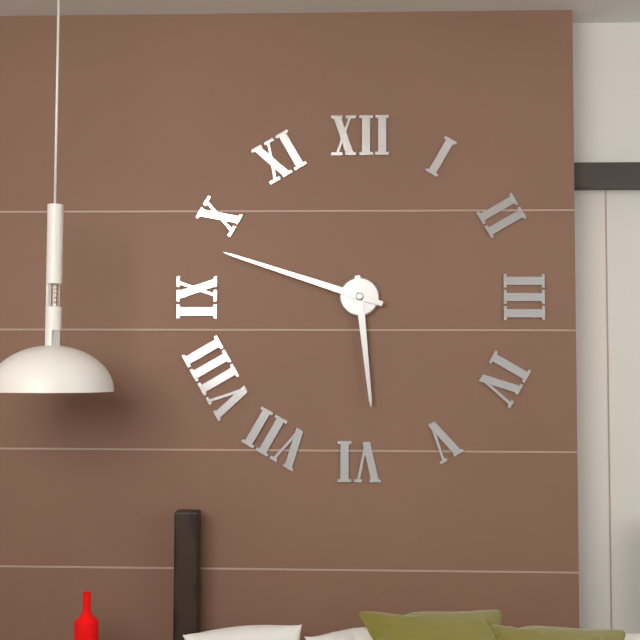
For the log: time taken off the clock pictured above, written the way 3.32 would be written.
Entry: 5.48
